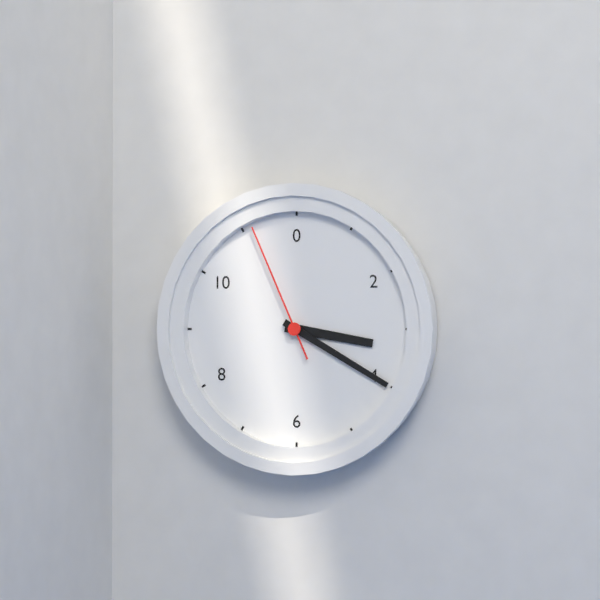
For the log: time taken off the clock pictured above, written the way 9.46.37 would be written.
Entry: 3.20.56
